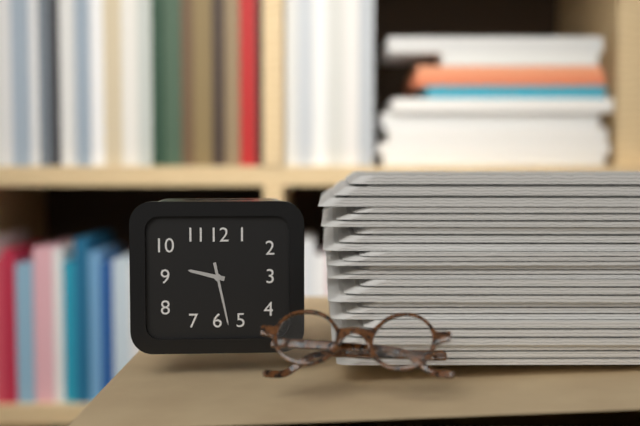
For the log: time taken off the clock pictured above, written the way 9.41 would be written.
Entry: 9.28
